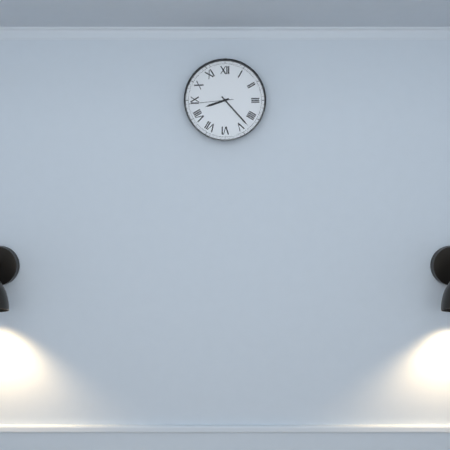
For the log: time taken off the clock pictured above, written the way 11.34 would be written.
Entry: 8.23
